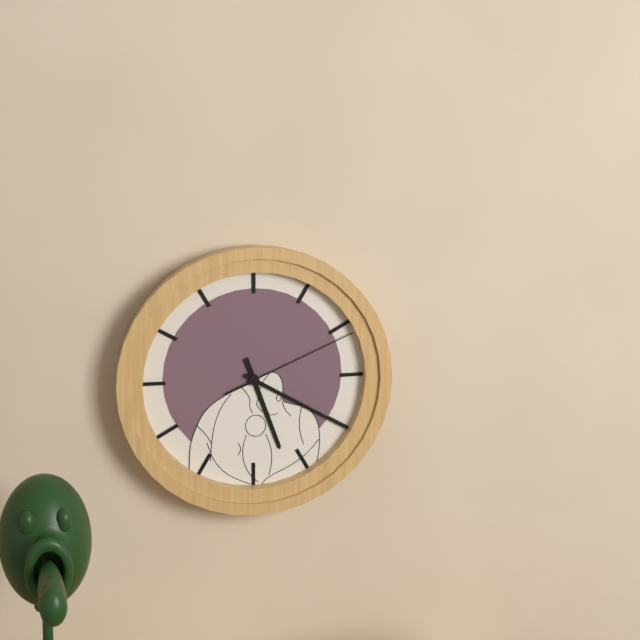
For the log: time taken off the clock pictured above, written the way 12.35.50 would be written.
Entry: 5.20.11
